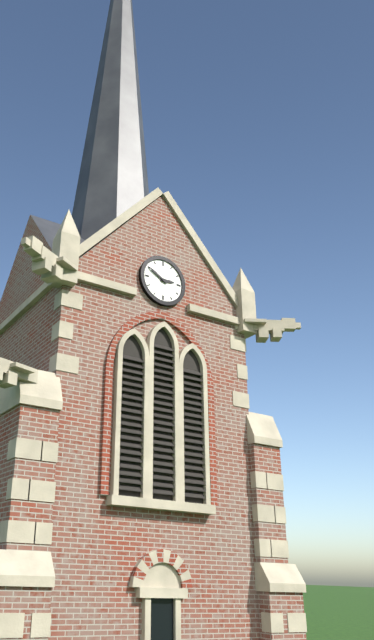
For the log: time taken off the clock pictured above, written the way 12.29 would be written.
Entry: 2.50
